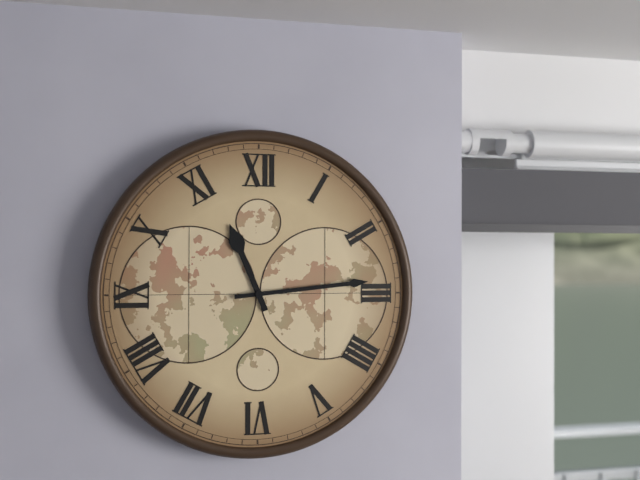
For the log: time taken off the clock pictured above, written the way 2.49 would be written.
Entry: 11.14
